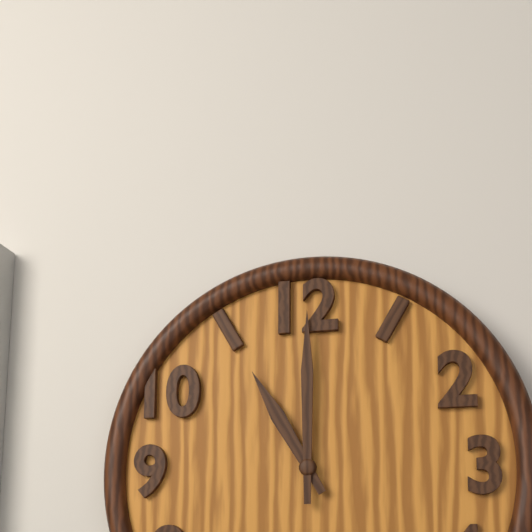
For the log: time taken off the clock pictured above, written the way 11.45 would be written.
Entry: 11.00
